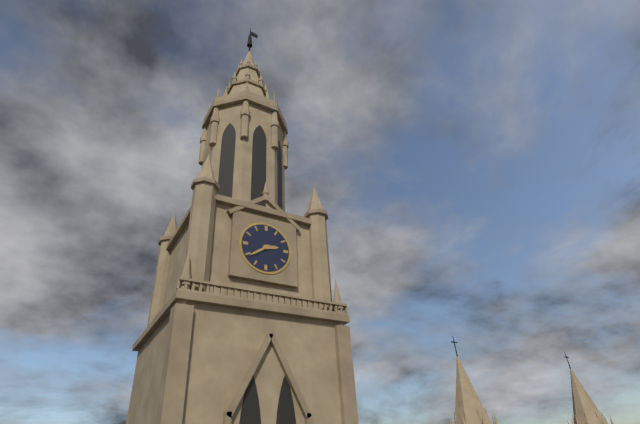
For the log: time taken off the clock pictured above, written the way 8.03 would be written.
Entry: 2.39
